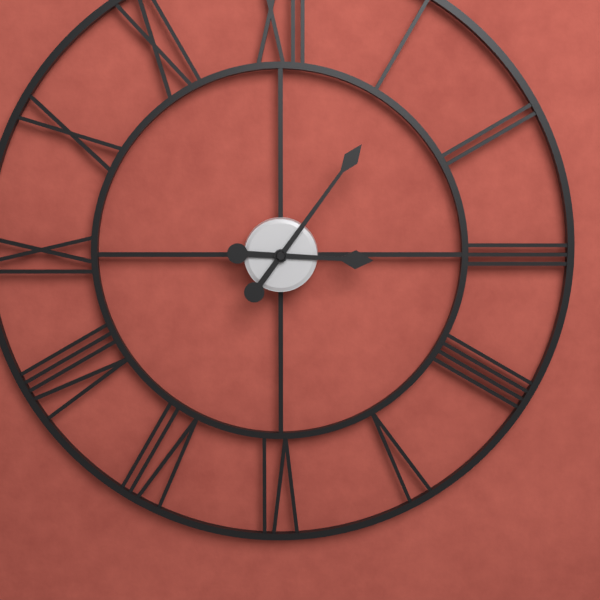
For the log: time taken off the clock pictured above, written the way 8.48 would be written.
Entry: 3.06
